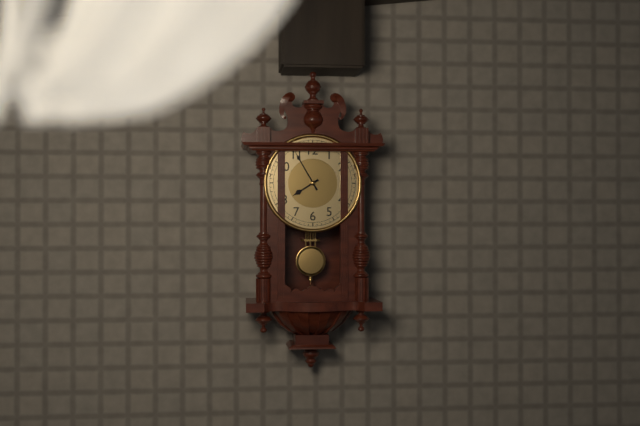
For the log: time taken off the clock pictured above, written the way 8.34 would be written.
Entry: 7.55
